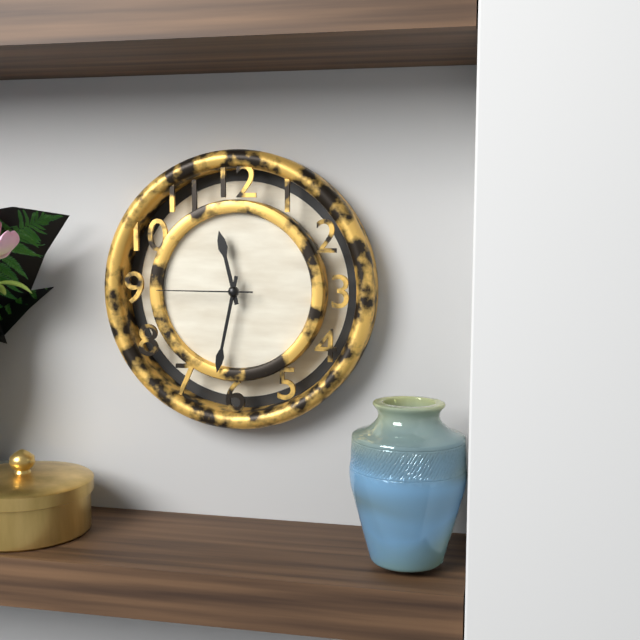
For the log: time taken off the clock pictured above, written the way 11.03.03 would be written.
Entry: 11.32.45
